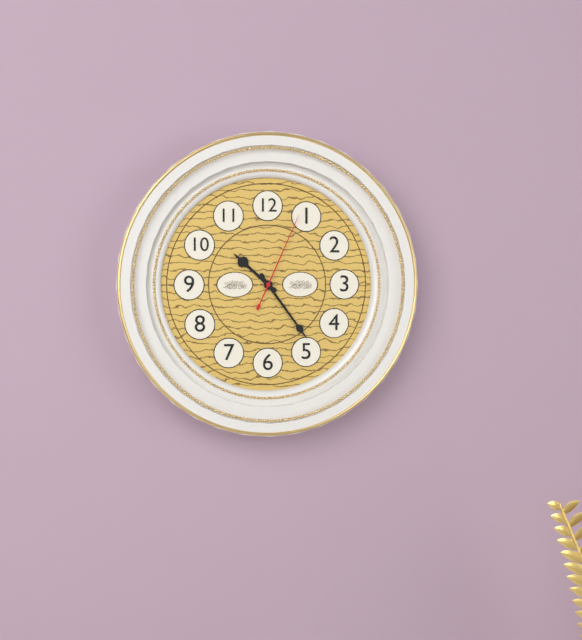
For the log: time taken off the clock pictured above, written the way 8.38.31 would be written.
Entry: 10.24.04
